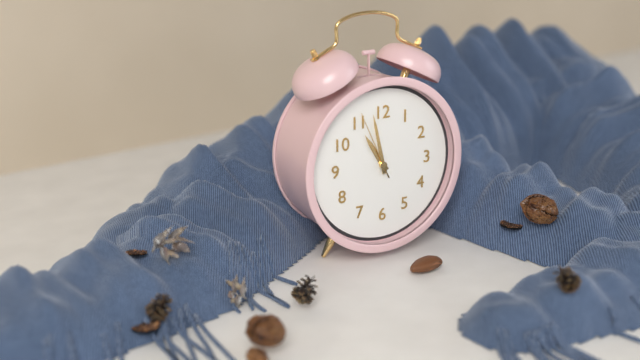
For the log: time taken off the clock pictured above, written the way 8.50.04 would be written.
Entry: 10.58.56
